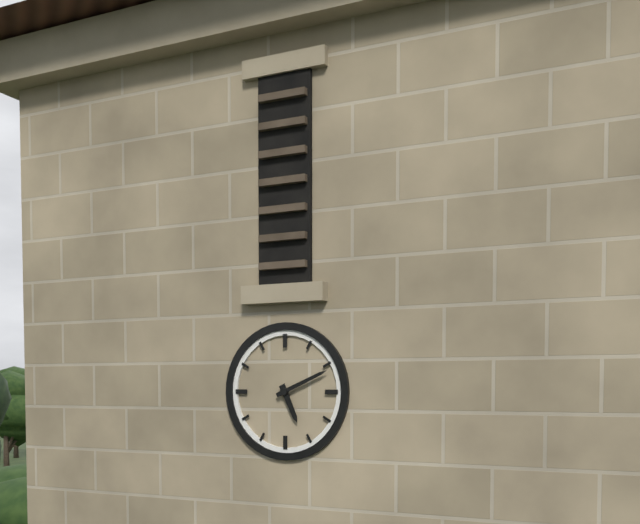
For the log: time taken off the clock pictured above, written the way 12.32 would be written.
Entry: 5.11
